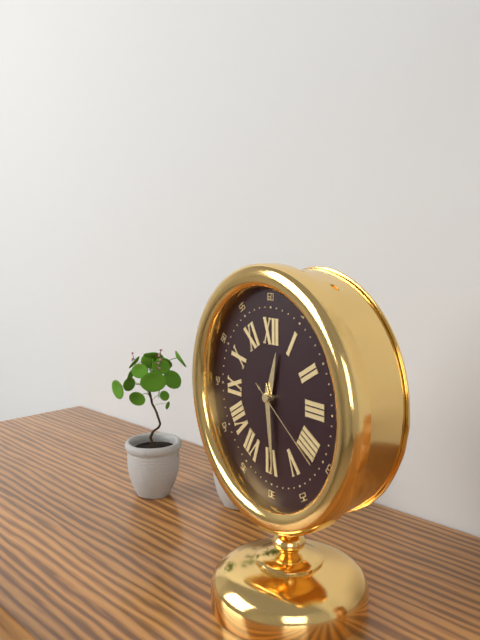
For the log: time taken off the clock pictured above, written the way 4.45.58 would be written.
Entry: 12.29.21
